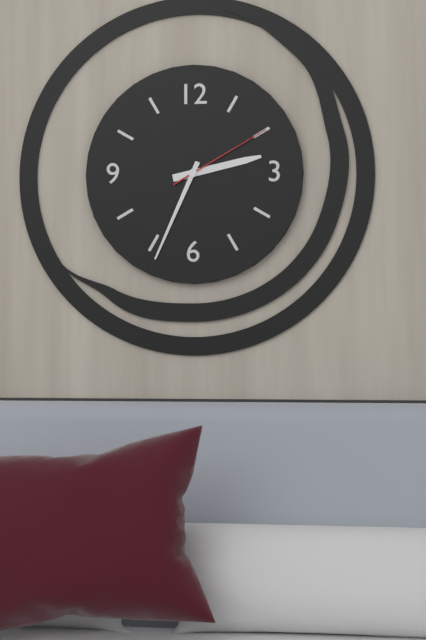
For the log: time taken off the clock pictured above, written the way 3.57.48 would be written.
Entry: 2.34.10
